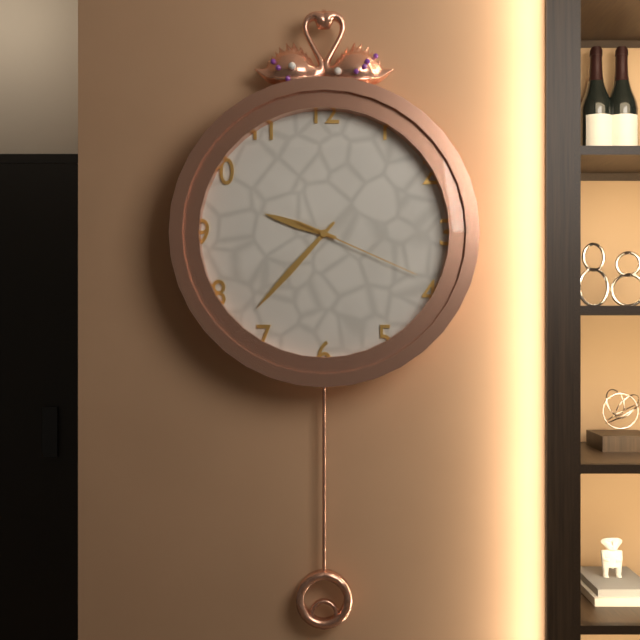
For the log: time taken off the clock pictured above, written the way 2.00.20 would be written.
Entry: 9.37.19
